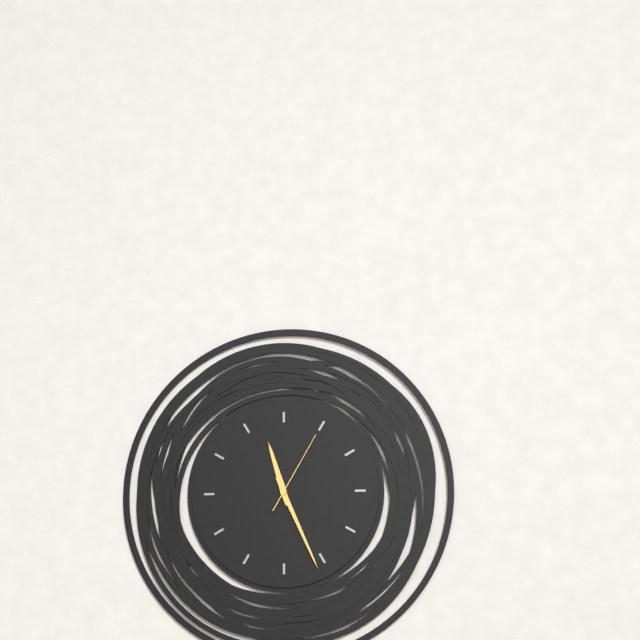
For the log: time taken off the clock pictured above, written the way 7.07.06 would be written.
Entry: 11.26.05
